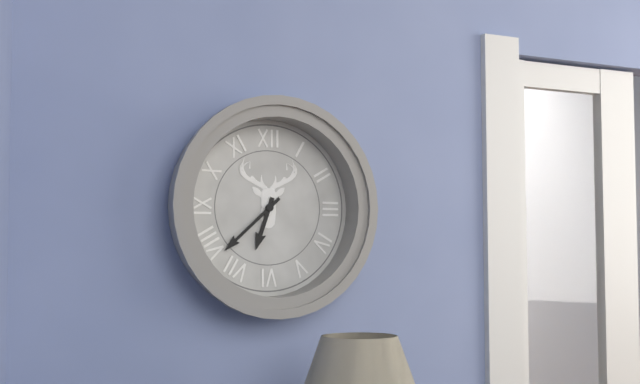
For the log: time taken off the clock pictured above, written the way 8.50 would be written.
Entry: 6.38
